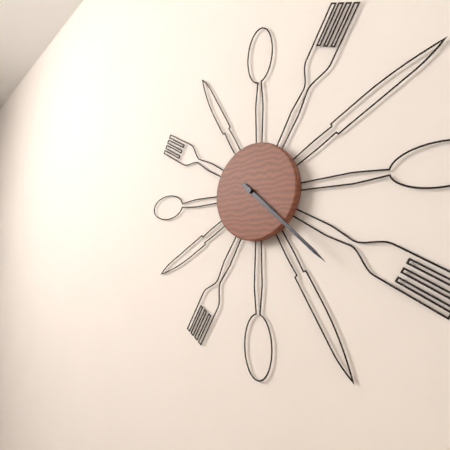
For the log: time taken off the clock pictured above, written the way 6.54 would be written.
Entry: 4.22
